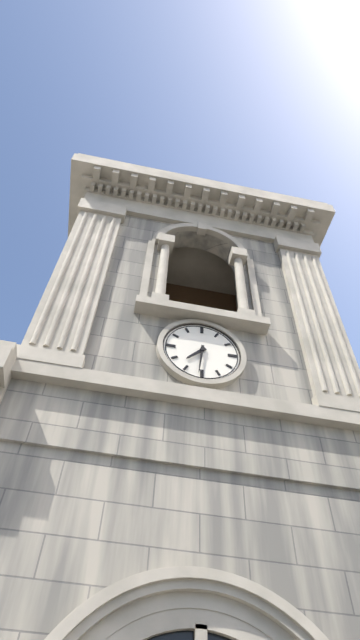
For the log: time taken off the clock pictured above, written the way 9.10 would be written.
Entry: 7.31
